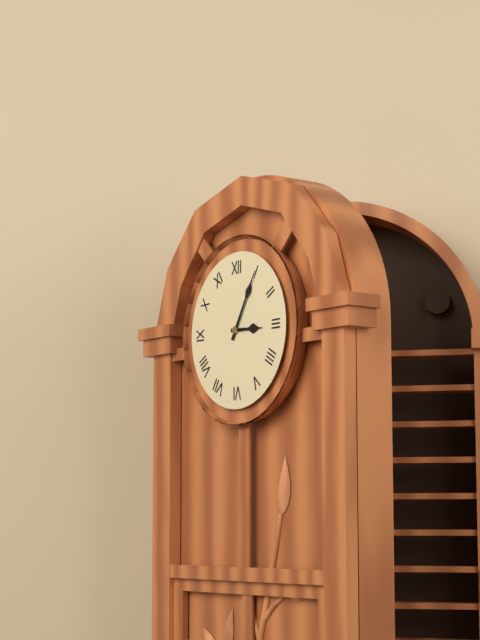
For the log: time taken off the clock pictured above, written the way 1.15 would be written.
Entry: 3.05
